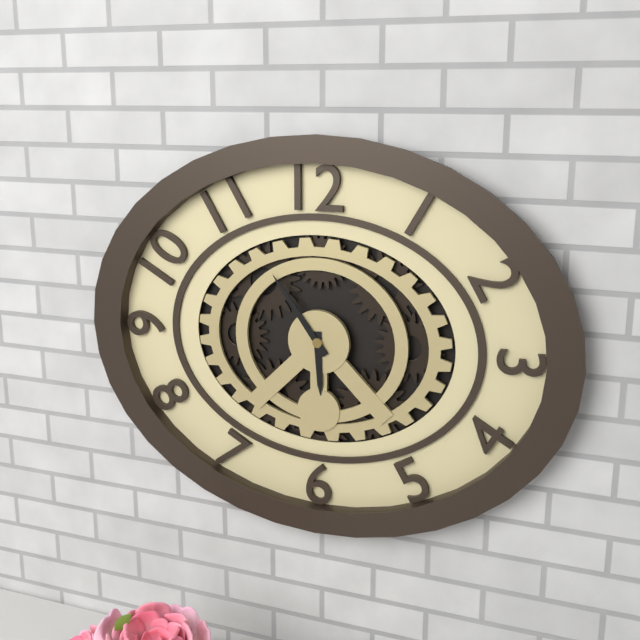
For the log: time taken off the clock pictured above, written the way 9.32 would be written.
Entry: 5.54
